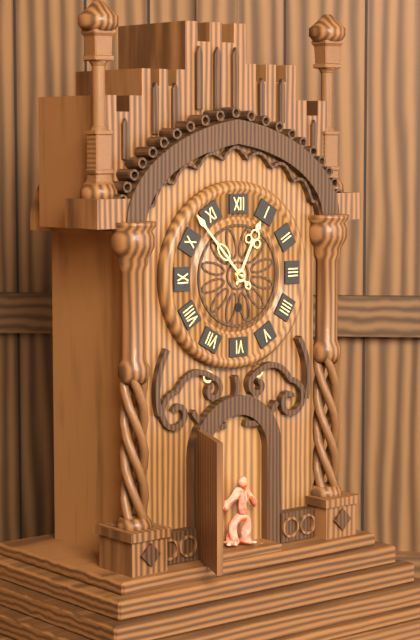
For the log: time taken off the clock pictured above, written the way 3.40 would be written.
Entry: 12.53
